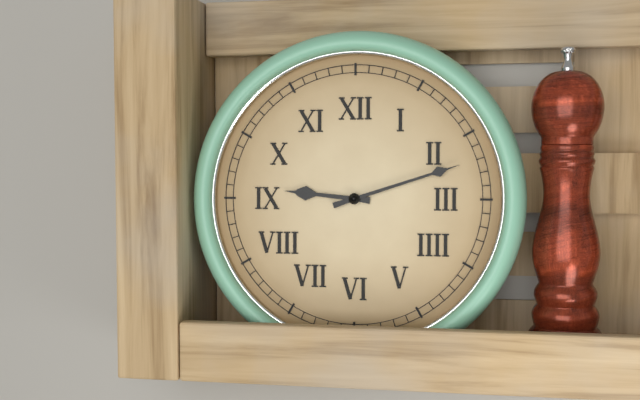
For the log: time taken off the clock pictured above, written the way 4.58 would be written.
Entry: 9.12
